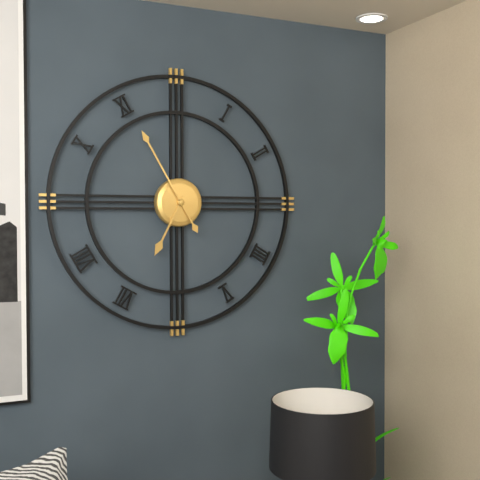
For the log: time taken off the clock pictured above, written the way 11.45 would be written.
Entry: 6.55
